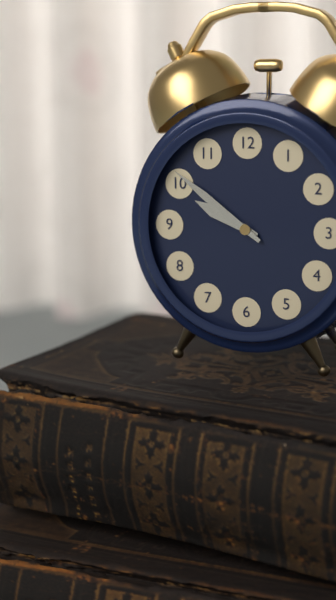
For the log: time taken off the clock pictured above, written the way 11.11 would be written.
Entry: 9.51
